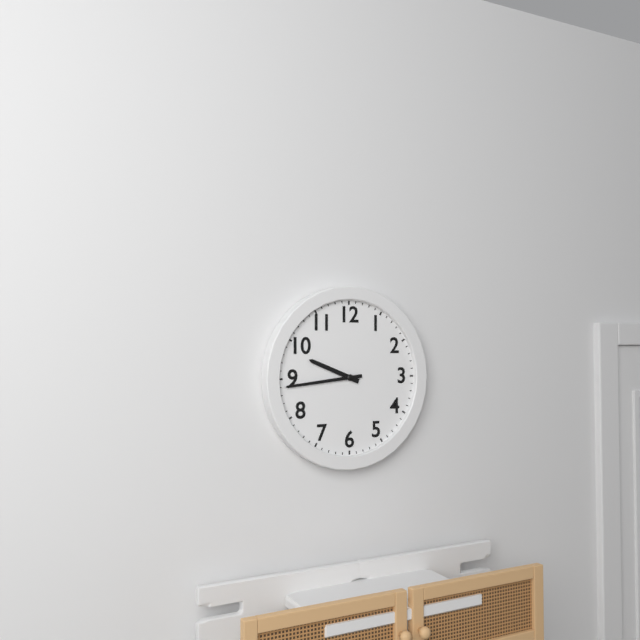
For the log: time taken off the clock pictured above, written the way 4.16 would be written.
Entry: 9.44
